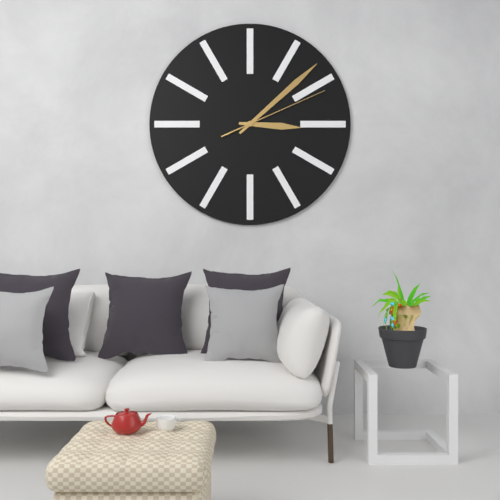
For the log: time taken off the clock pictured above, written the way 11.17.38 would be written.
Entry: 3.08.11
